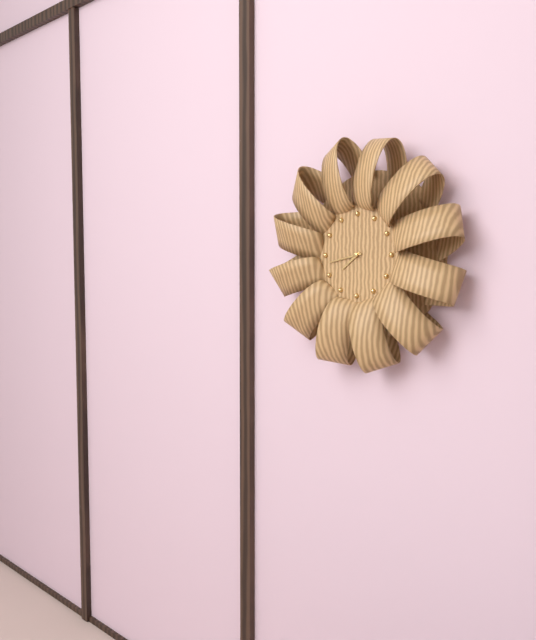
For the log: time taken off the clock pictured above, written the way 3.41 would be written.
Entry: 7.43
